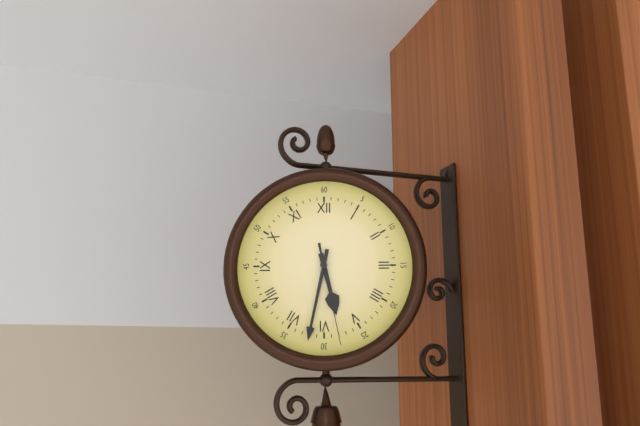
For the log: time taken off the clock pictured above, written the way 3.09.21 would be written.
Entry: 5.32.28
